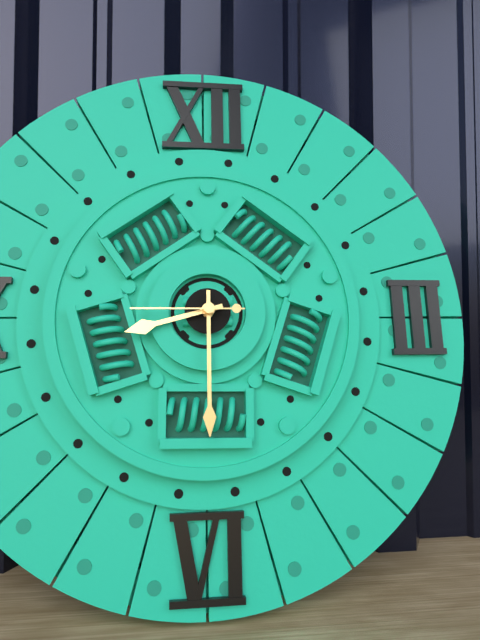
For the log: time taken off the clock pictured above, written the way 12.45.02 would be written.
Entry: 8.30.45
